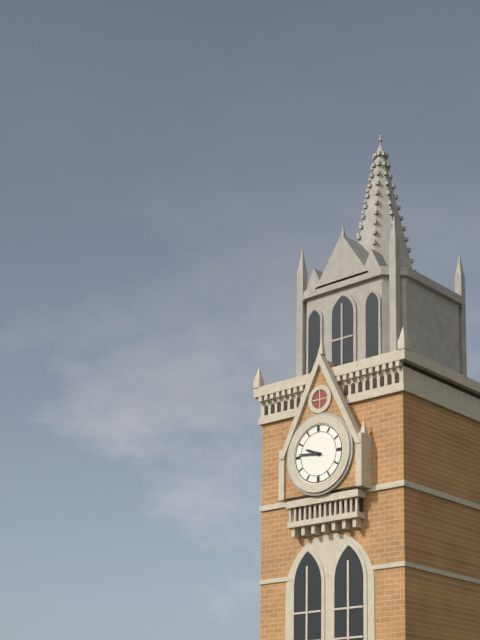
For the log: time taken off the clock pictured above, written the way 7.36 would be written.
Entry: 9.46
